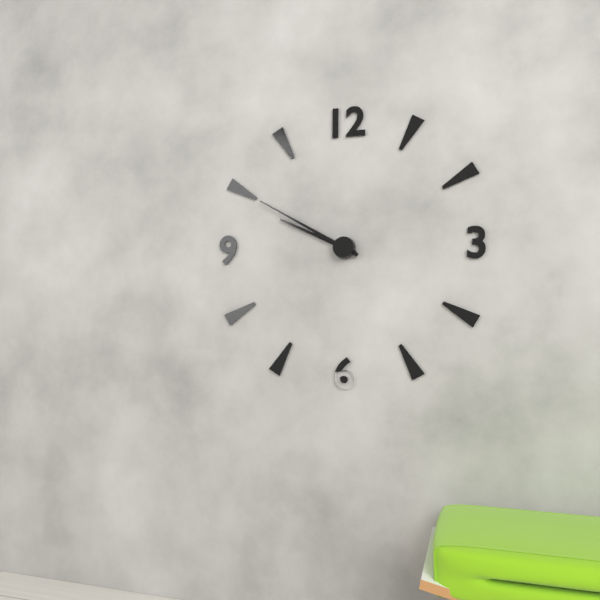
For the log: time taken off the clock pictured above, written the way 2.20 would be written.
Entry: 9.50
